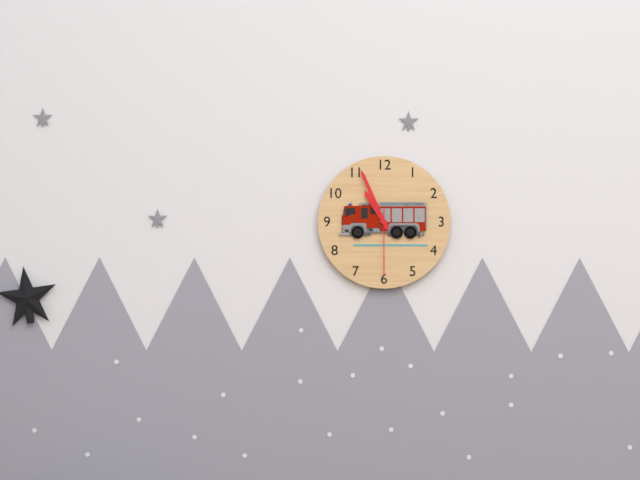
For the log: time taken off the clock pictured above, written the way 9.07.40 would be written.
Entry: 10.56.30
